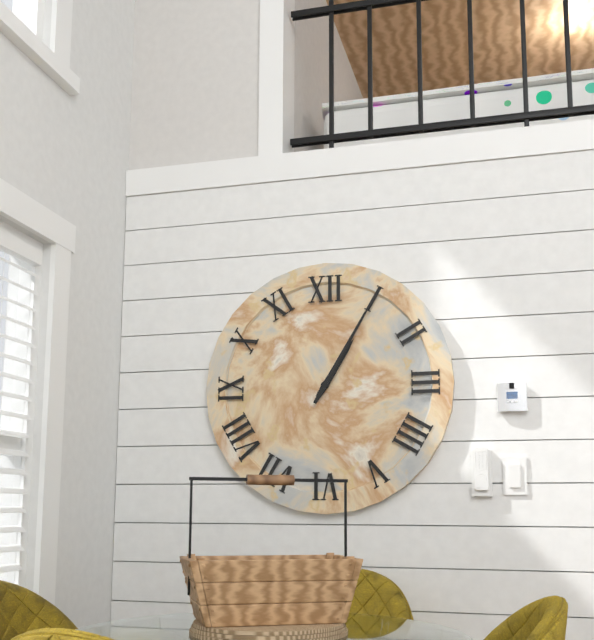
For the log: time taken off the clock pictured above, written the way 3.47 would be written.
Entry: 1.05
